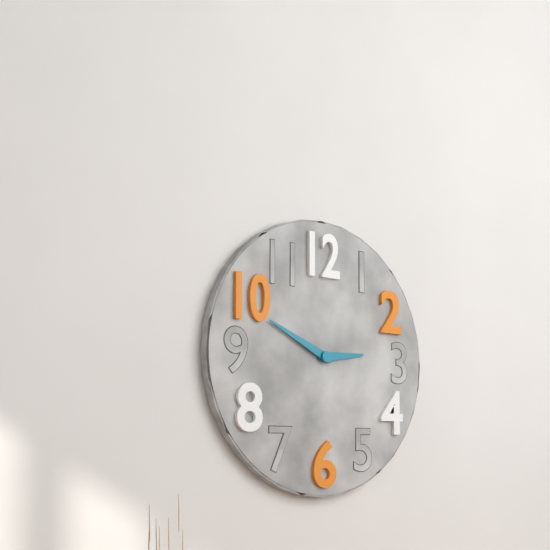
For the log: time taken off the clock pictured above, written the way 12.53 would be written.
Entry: 2.49
